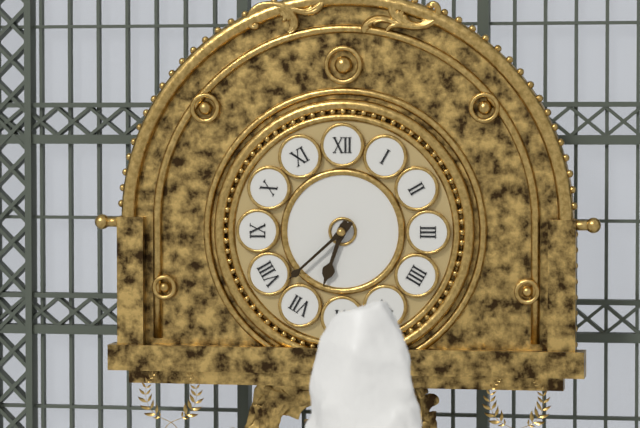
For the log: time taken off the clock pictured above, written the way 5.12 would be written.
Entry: 6.38
